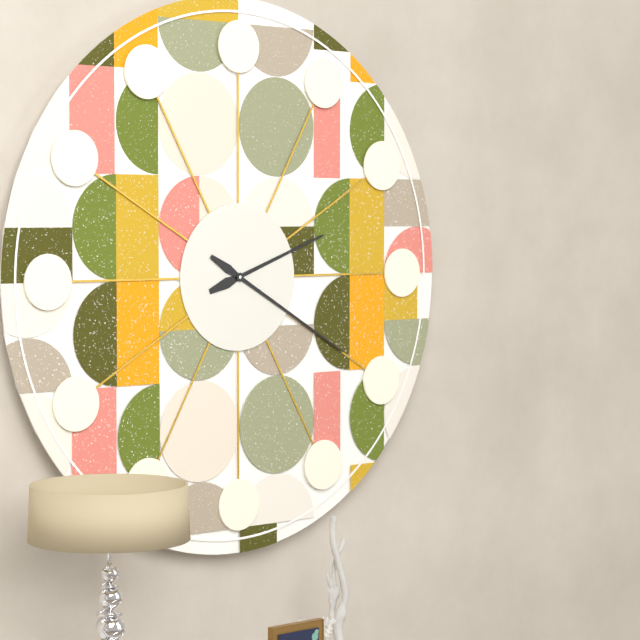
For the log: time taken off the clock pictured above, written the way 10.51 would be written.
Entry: 2.20
